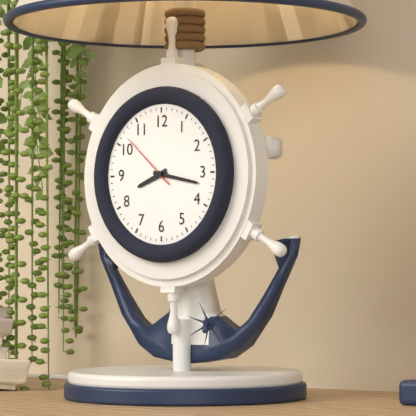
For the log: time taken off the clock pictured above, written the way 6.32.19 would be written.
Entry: 8.17.52
